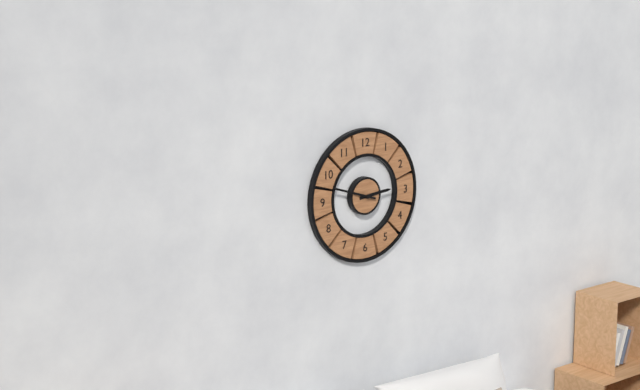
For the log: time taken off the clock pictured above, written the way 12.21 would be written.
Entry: 2.48
